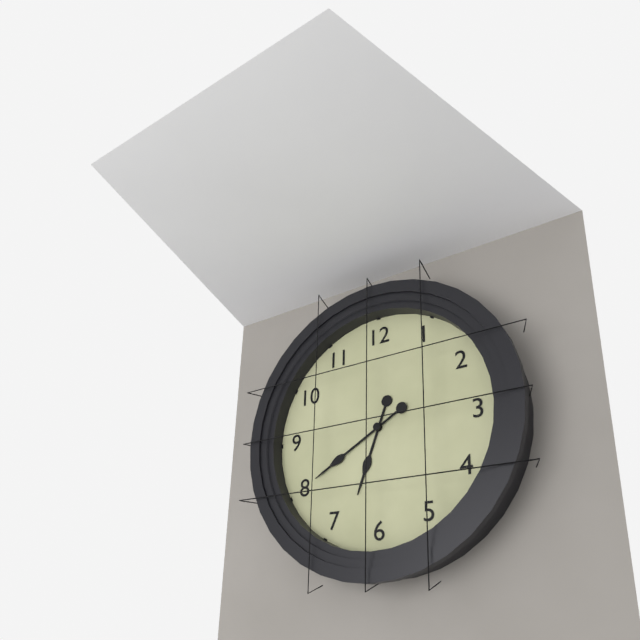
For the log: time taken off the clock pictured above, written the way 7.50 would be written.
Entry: 6.40
